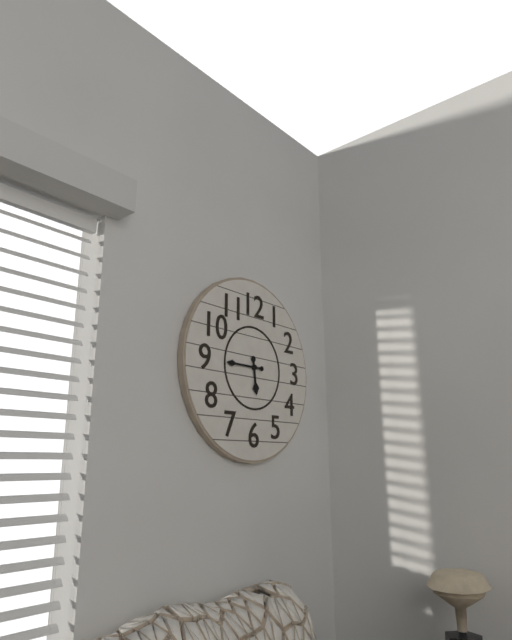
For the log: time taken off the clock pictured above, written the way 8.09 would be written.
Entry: 5.45
